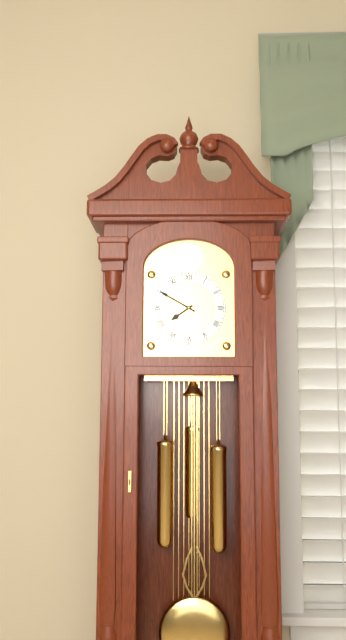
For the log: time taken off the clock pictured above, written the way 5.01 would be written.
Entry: 7.50
